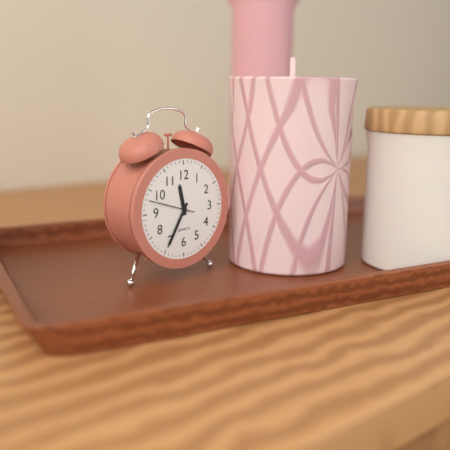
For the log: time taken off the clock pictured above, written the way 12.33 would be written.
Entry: 11.35
